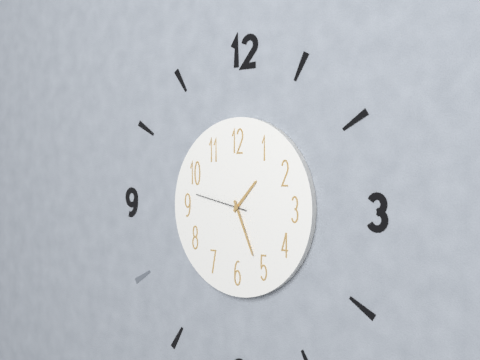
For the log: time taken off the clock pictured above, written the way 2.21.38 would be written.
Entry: 1.26.47
